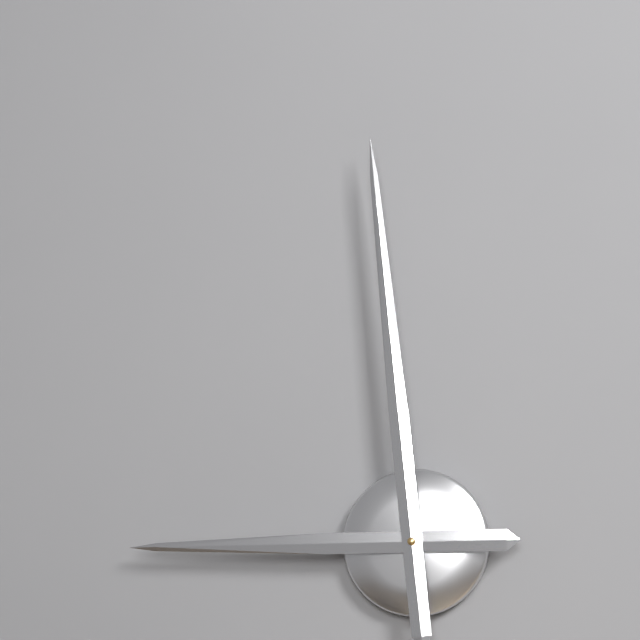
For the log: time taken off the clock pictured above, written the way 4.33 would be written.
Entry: 8.59
